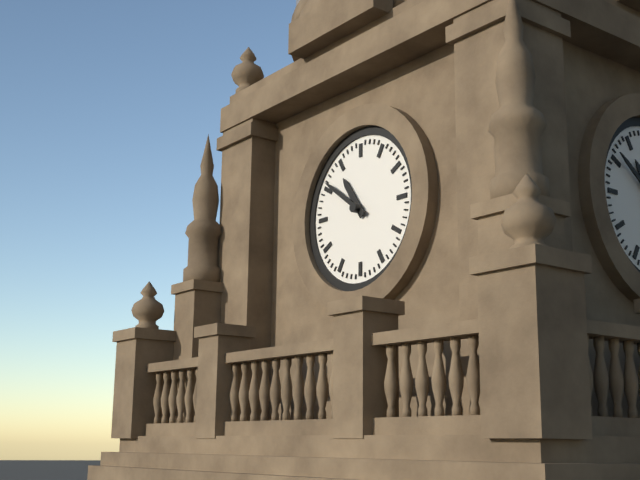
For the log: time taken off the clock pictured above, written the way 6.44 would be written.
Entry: 10.51
